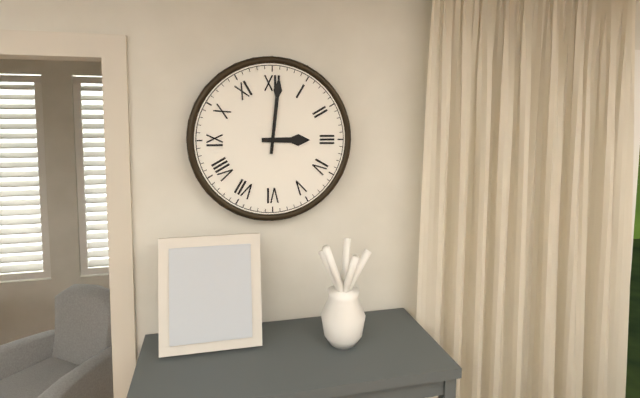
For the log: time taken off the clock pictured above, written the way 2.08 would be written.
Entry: 3.01
